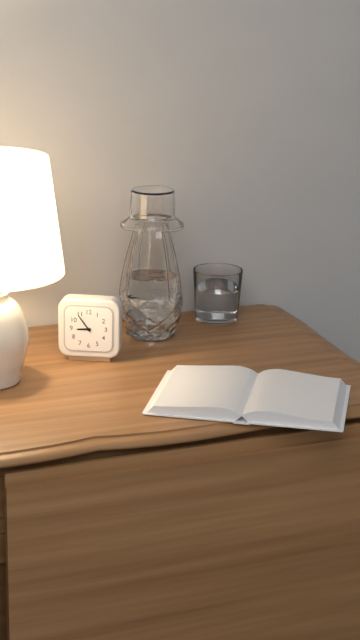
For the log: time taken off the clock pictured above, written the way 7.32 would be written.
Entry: 8.54
